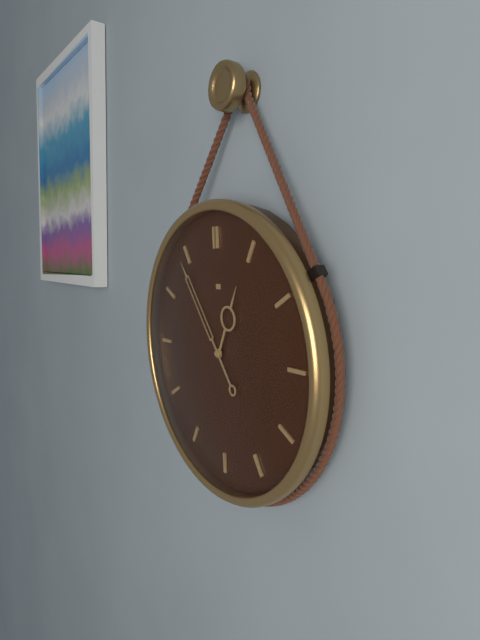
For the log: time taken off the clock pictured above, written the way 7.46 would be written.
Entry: 12.54
